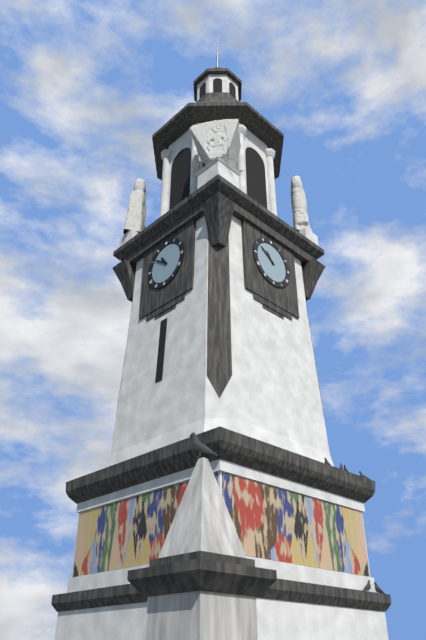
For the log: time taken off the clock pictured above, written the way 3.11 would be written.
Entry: 10.51
